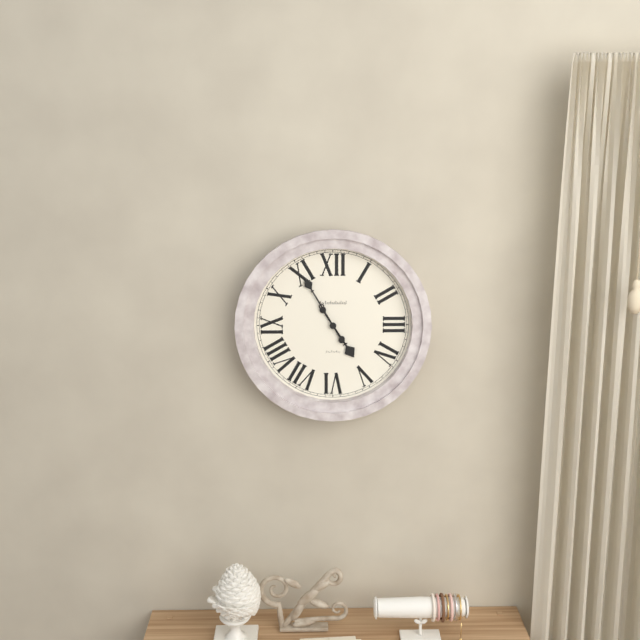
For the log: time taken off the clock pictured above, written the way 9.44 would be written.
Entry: 4.55
